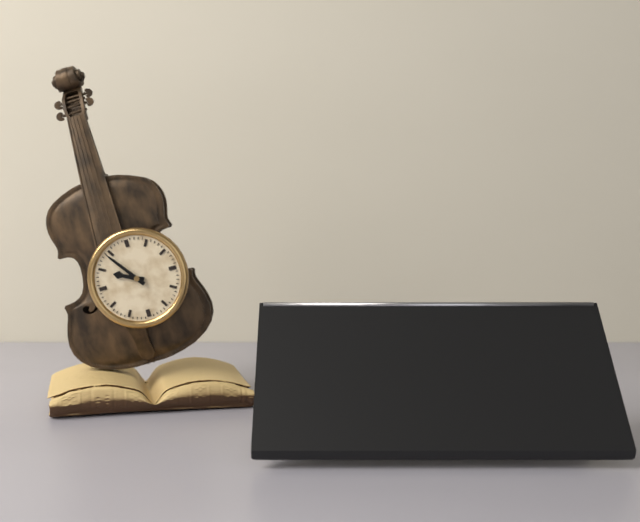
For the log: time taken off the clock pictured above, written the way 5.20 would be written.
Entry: 9.54
